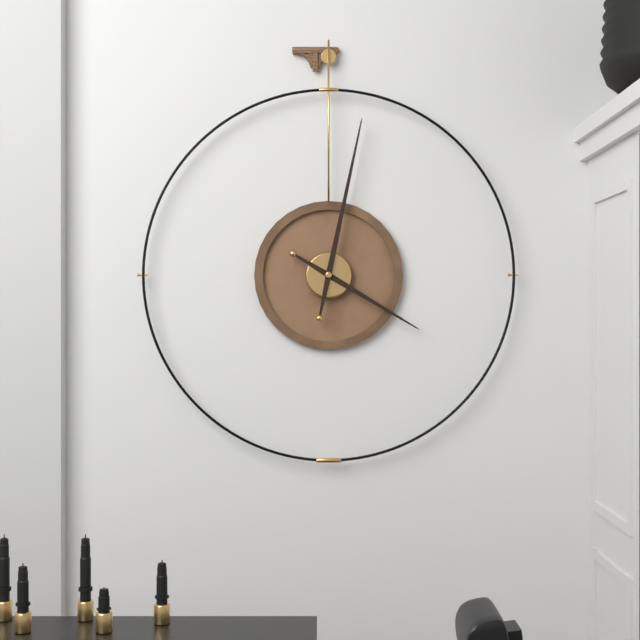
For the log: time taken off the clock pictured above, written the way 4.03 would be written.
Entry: 4.02
